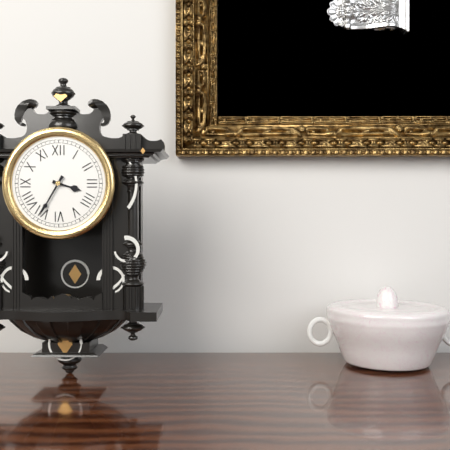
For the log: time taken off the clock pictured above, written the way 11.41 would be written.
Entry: 3.35
